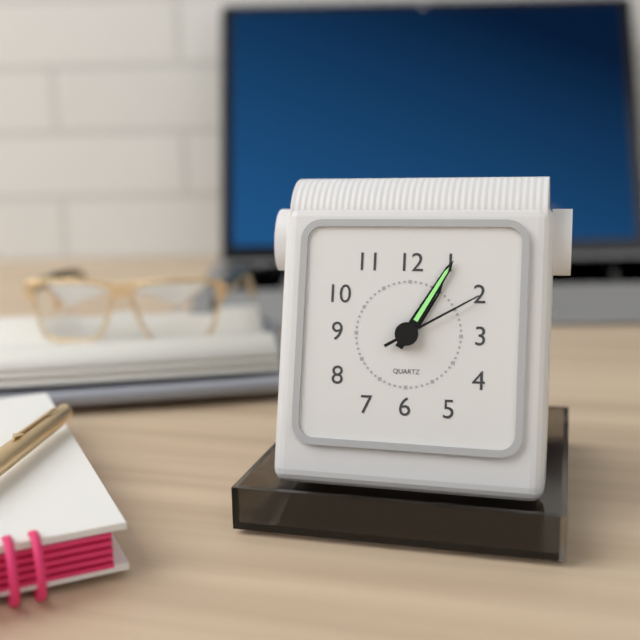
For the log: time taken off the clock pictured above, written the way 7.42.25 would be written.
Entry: 1.05.10
